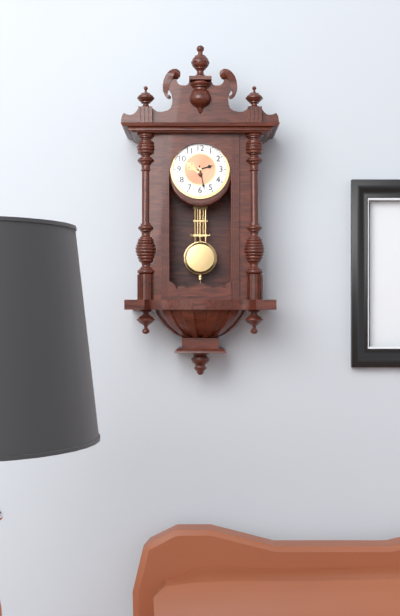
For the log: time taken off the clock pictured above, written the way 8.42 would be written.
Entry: 2.28
